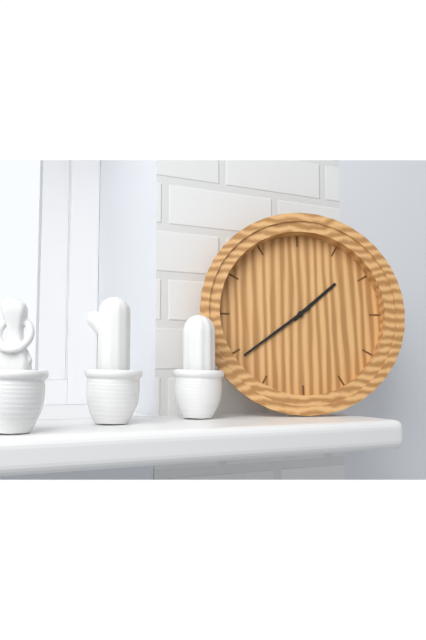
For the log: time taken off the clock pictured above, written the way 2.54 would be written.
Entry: 1.39
